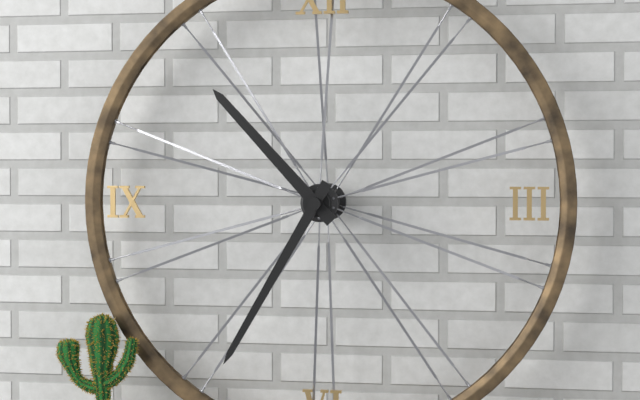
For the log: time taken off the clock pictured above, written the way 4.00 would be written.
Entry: 10.35
